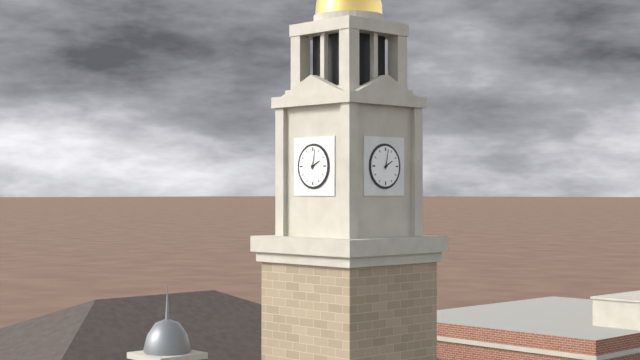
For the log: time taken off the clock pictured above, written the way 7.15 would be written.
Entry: 2.02
